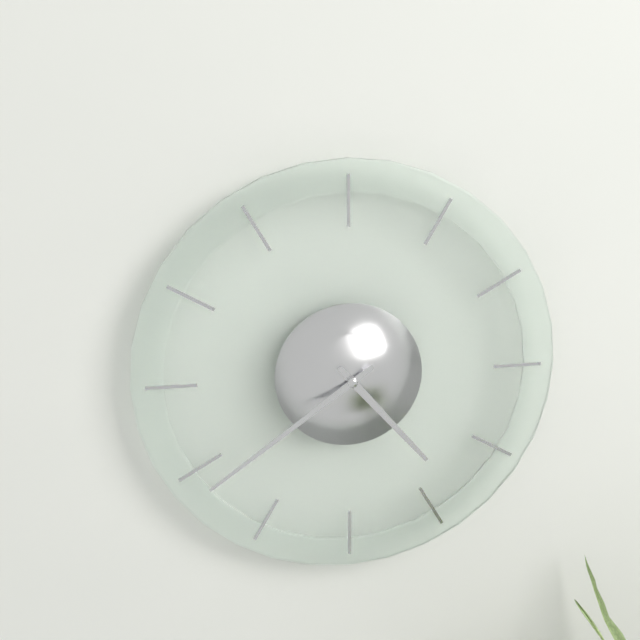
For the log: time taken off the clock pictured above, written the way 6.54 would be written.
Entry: 4.39
